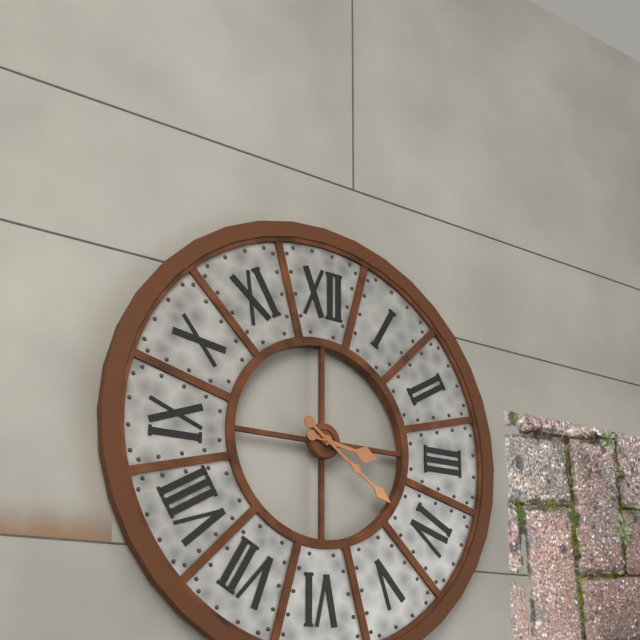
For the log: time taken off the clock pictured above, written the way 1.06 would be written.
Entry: 3.21
